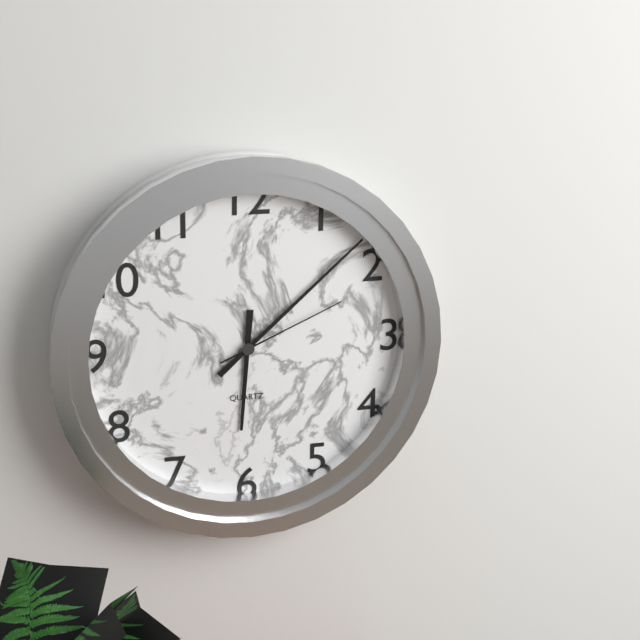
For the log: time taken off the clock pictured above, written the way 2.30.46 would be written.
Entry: 6.08.11
